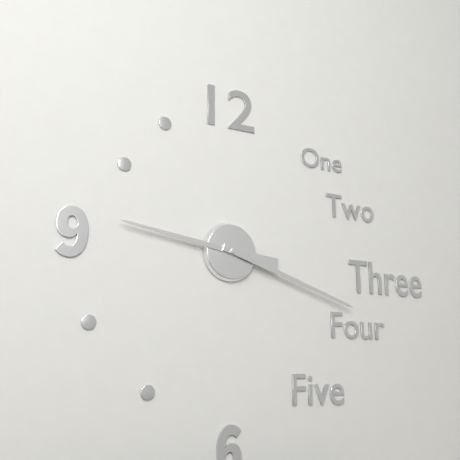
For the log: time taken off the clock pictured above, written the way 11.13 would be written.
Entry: 9.18
